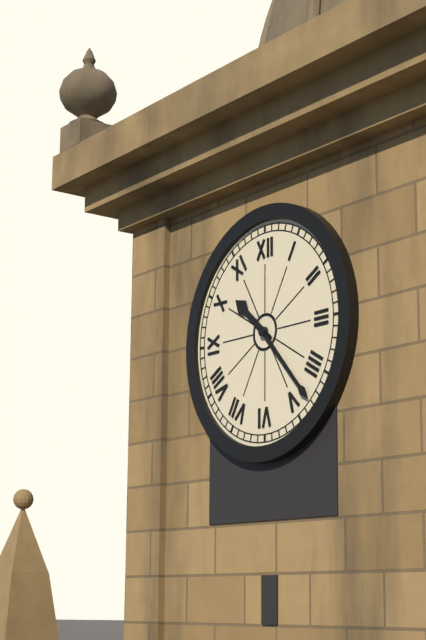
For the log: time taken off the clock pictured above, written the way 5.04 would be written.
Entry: 10.23
